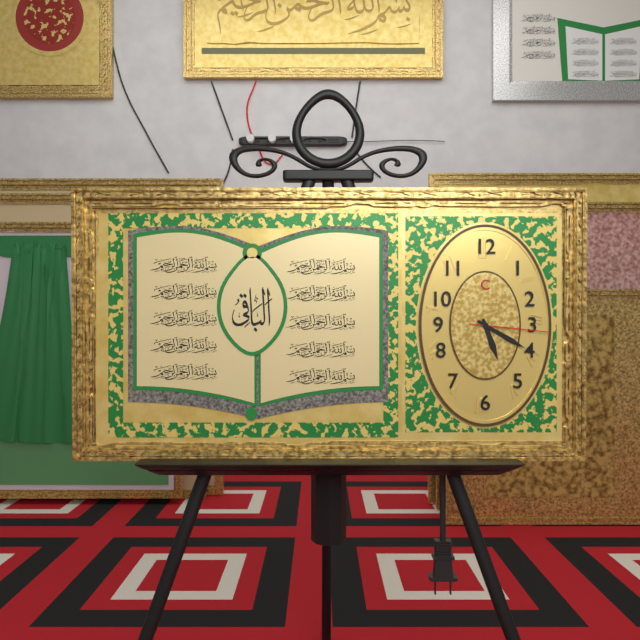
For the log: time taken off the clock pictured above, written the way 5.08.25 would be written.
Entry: 5.20.16
